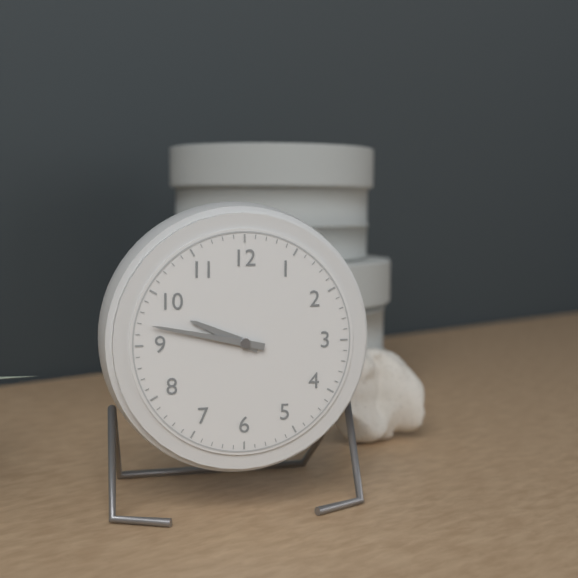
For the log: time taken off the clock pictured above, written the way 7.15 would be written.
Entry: 9.47
